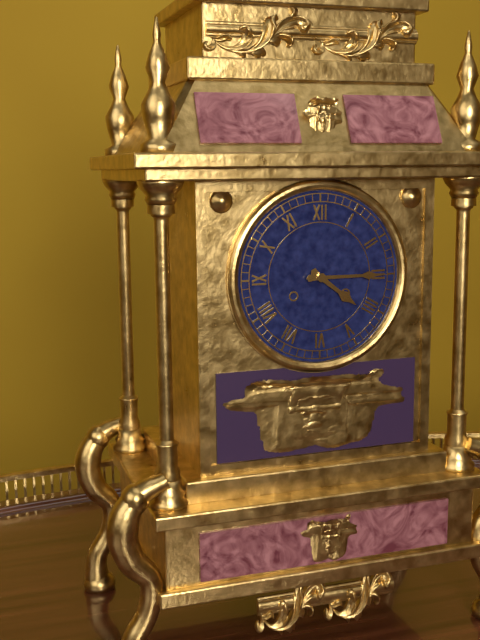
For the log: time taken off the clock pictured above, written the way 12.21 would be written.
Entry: 4.15
